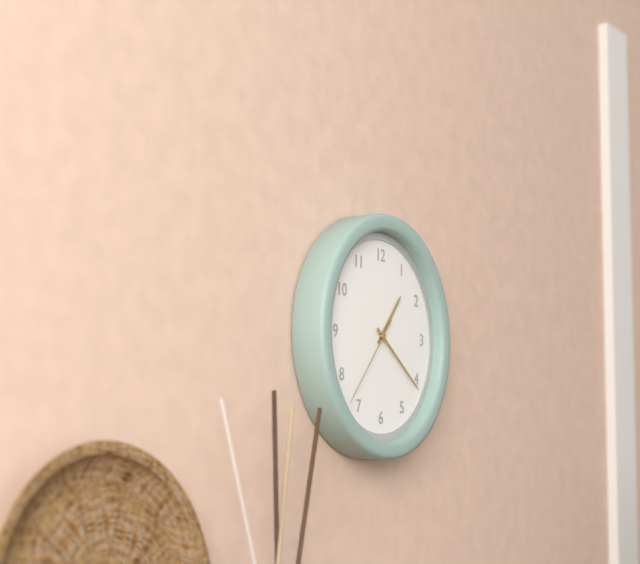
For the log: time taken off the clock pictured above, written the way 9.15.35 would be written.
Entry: 1.21.37
